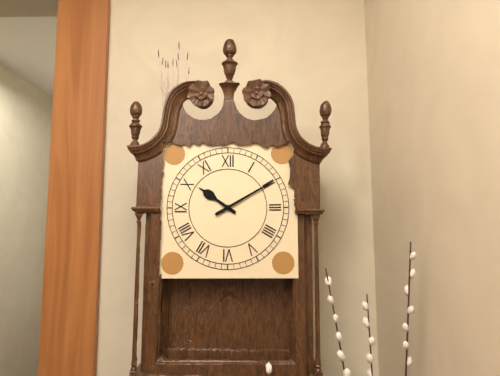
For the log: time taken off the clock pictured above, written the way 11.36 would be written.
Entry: 10.10
